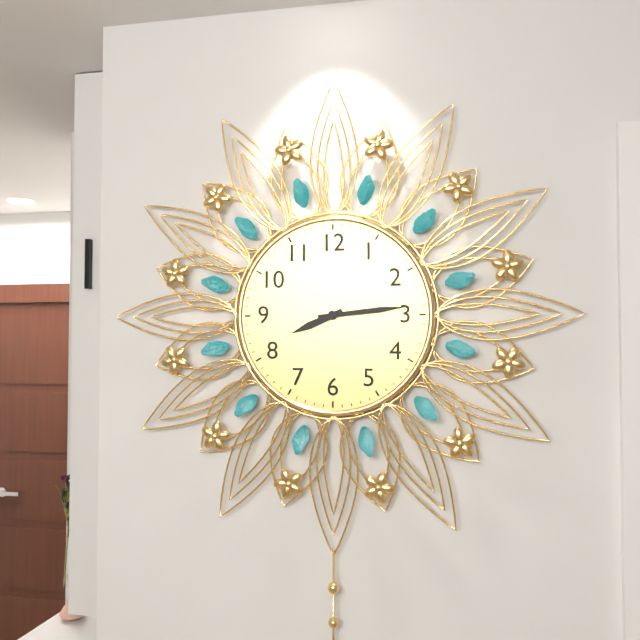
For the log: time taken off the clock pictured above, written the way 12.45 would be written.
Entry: 8.14
